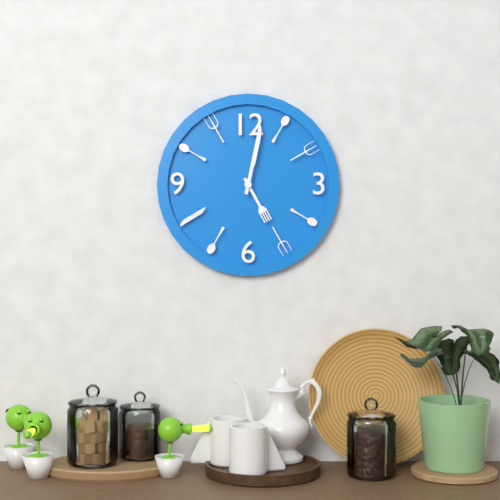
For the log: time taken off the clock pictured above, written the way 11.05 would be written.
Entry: 5.02
